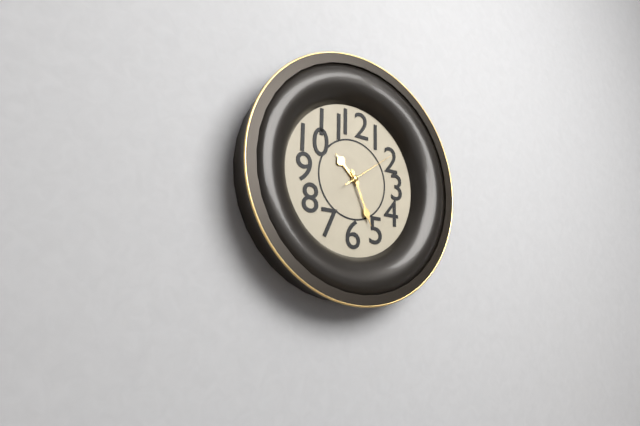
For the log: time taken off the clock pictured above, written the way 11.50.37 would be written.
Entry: 10.26.09
